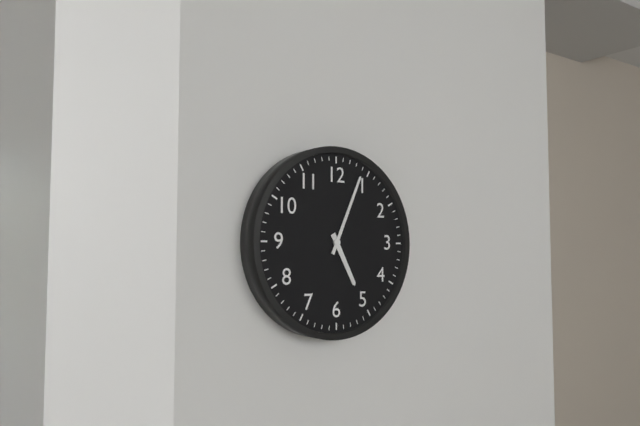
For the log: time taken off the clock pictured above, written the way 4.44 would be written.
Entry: 5.04
